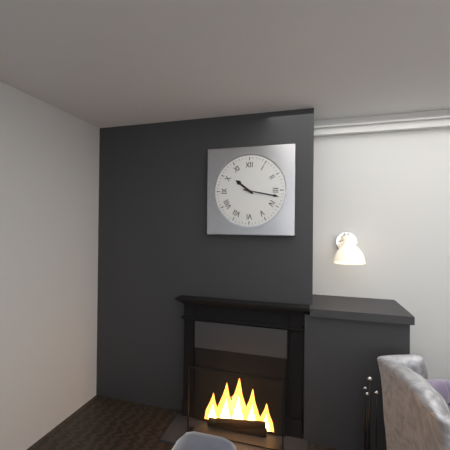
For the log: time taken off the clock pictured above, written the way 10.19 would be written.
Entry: 10.17
